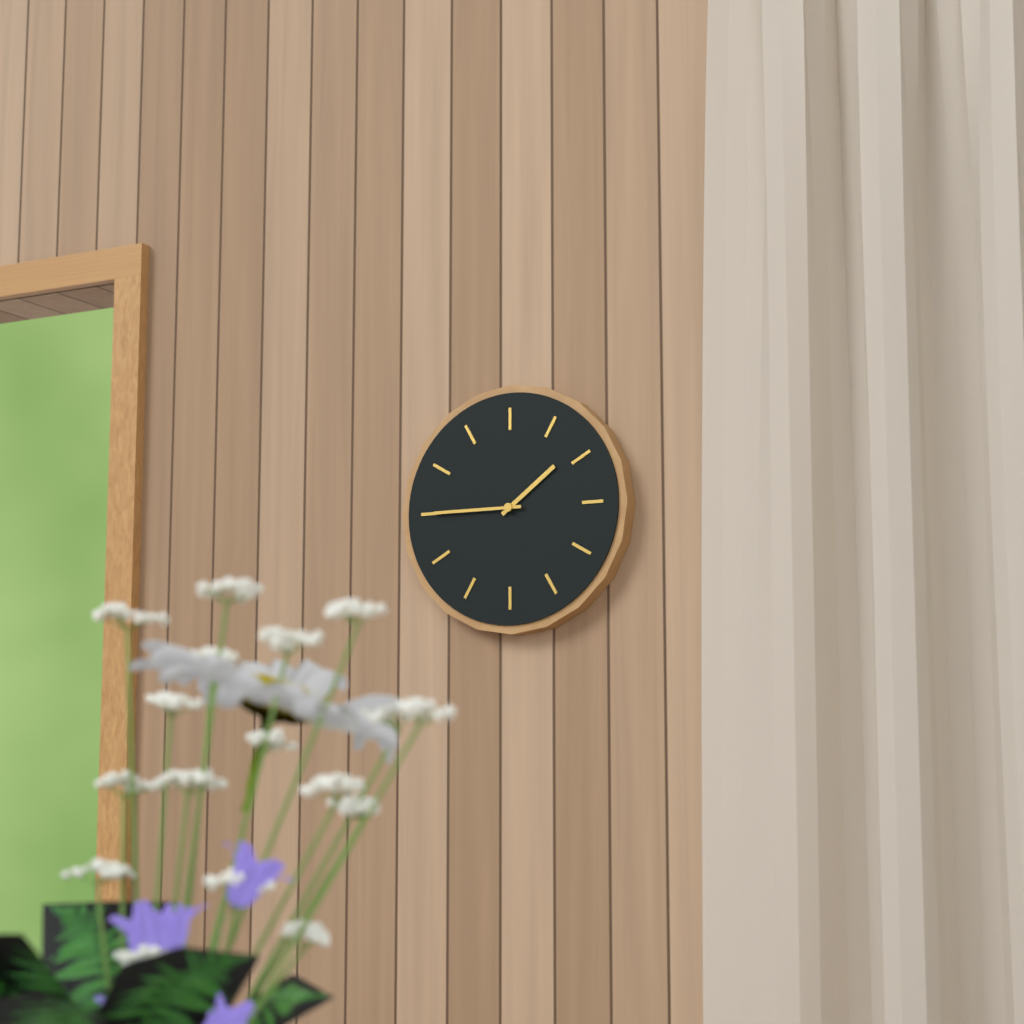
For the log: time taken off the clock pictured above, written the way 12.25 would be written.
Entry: 1.45
